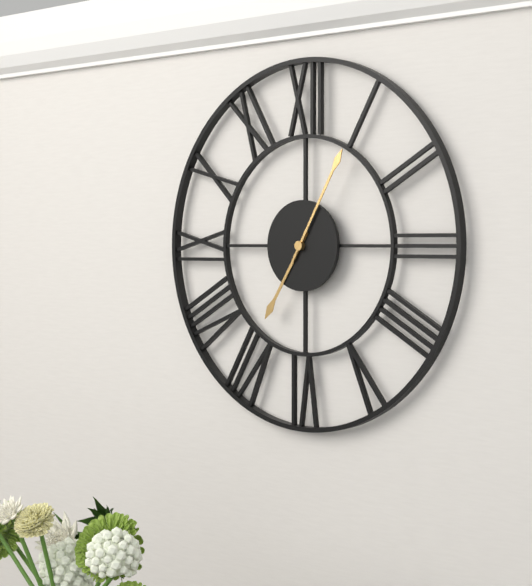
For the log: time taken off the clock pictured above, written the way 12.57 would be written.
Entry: 7.05
